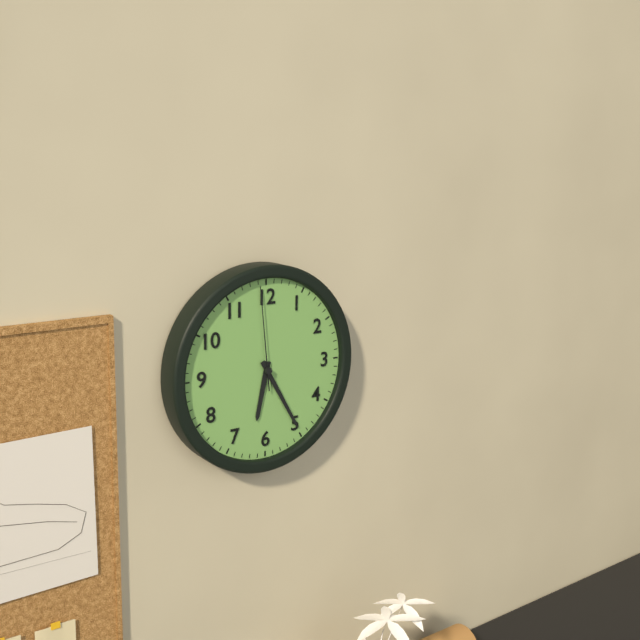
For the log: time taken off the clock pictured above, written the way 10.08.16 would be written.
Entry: 6.25.59
